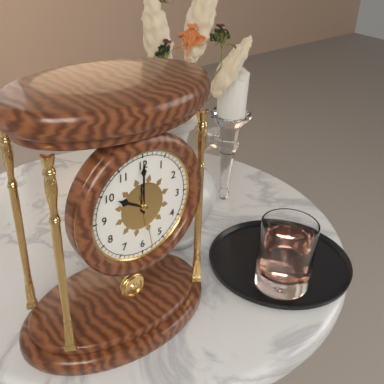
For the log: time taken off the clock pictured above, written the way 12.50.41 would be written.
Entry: 10.00.28
